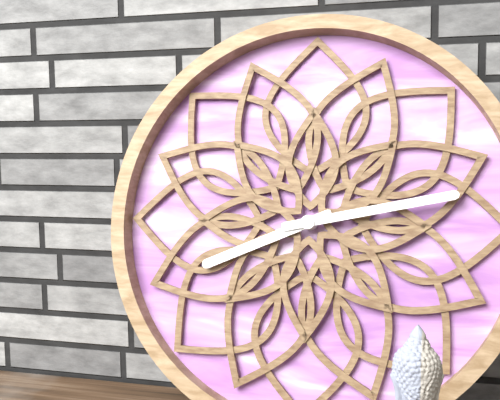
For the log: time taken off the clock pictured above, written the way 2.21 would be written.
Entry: 8.13
